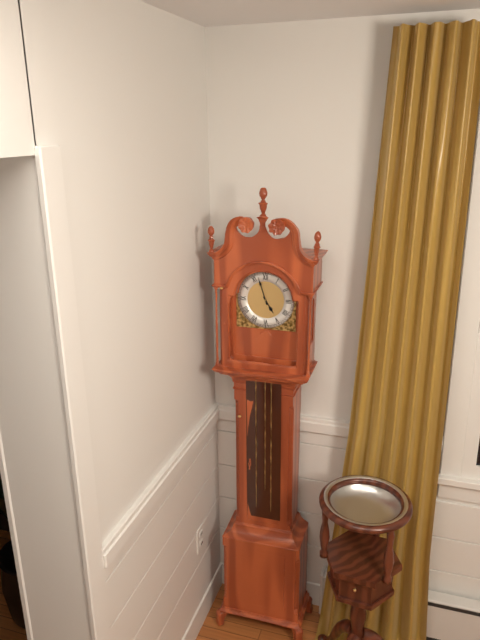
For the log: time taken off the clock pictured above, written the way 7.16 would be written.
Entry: 4.57
